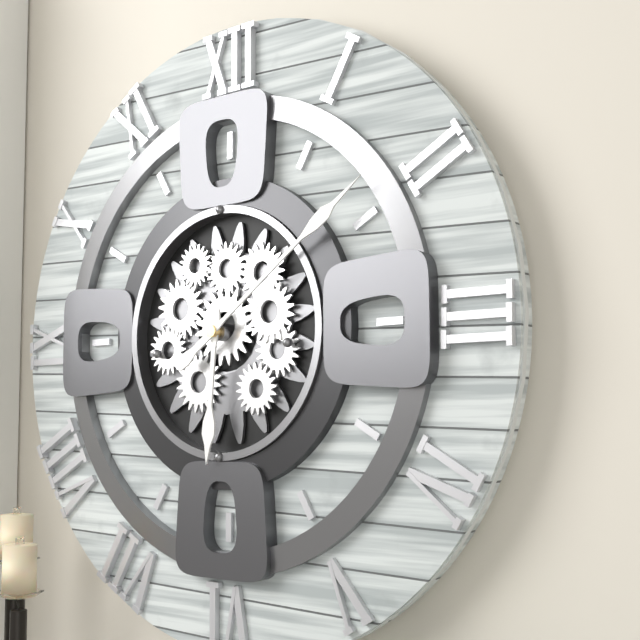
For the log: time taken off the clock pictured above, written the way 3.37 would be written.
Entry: 6.09
